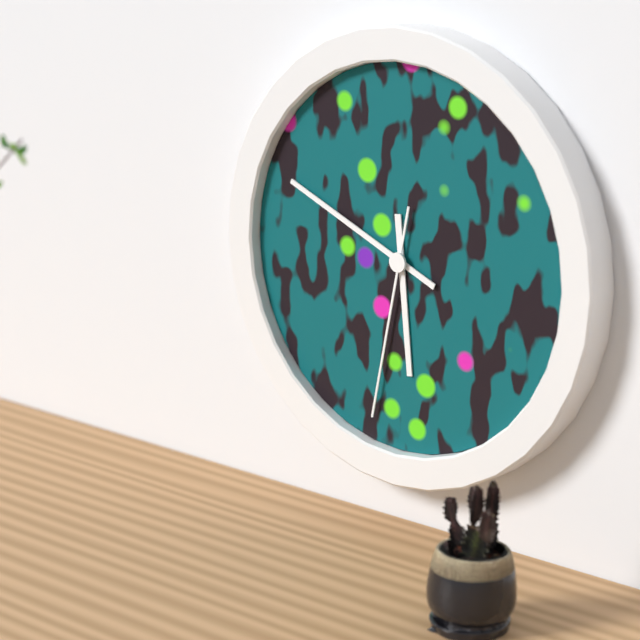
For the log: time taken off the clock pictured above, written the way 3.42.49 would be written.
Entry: 5.49.32
